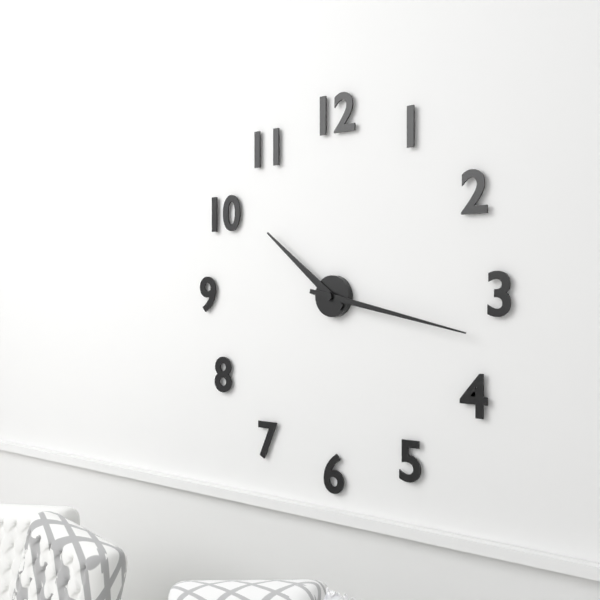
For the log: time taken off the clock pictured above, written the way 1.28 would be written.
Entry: 10.17
